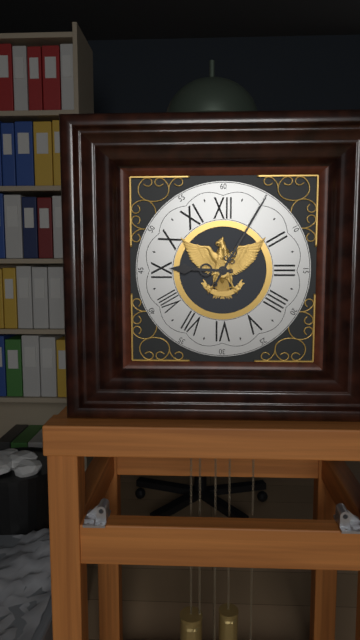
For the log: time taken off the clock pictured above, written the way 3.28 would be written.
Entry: 9.05
